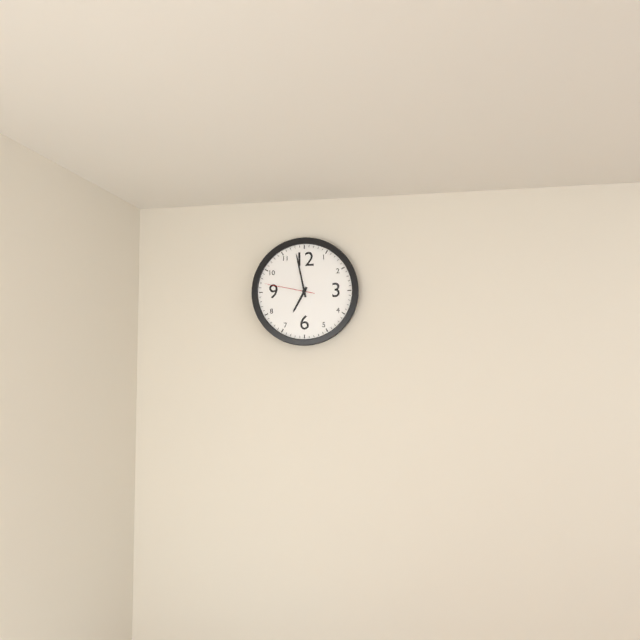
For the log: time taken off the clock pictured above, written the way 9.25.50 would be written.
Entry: 6.58.47
